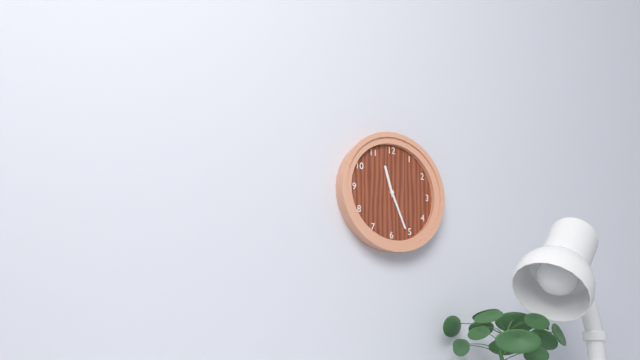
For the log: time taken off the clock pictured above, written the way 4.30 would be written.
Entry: 11.26
